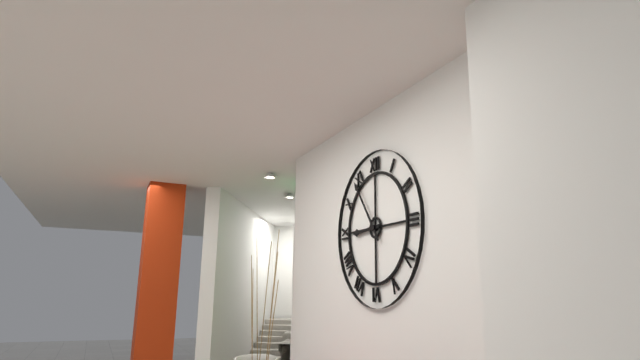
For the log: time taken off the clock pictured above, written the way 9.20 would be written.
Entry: 8.54
